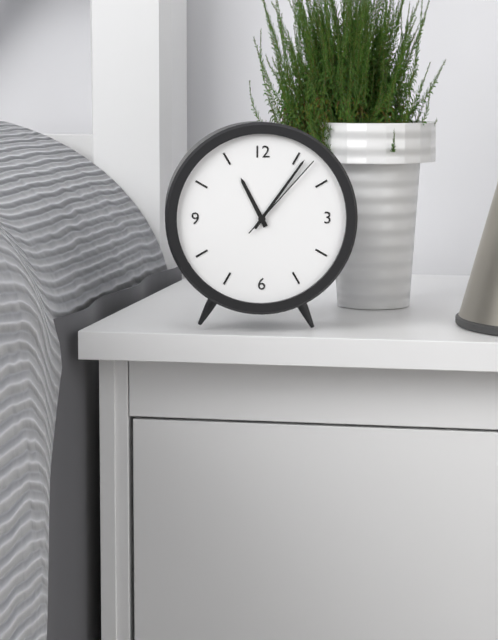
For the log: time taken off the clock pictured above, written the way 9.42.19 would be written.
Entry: 11.06.07
